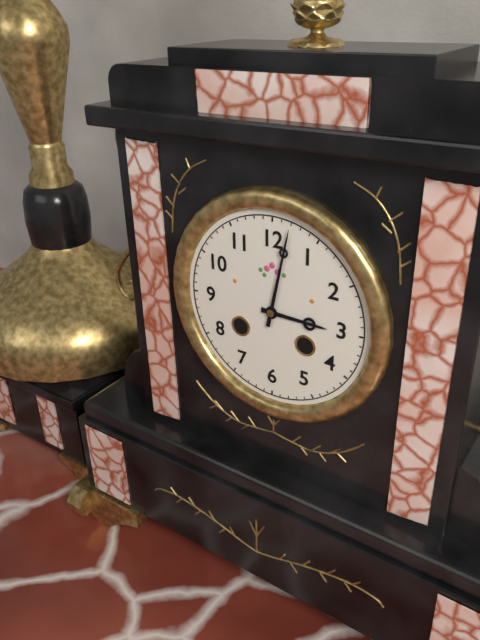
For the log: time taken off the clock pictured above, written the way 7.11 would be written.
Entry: 3.02
